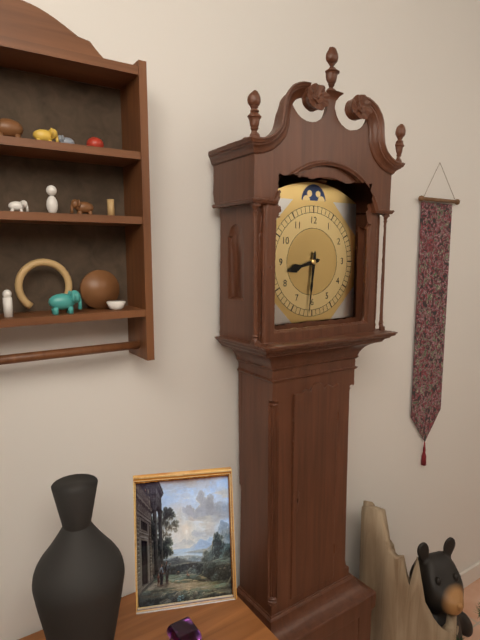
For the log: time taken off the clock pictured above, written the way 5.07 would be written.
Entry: 8.31
